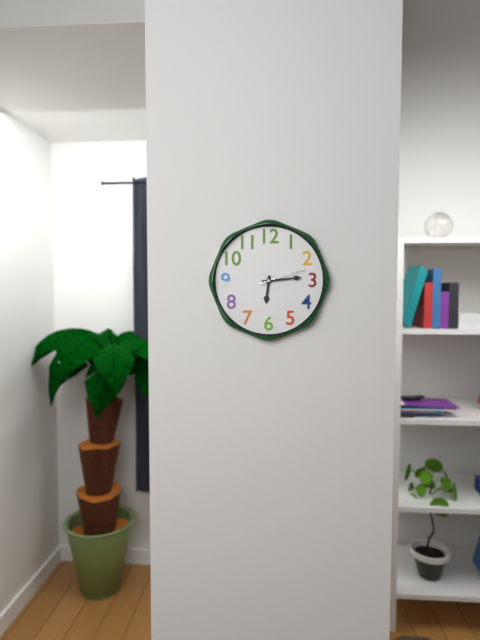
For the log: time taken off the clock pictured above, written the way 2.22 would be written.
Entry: 6.14
